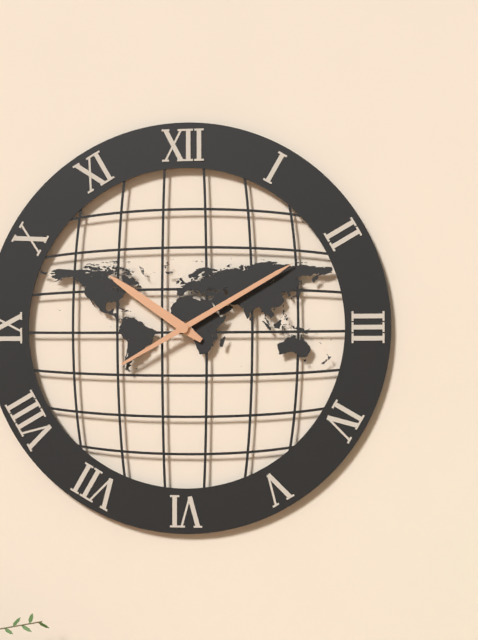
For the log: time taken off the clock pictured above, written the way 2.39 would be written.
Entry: 10.10
